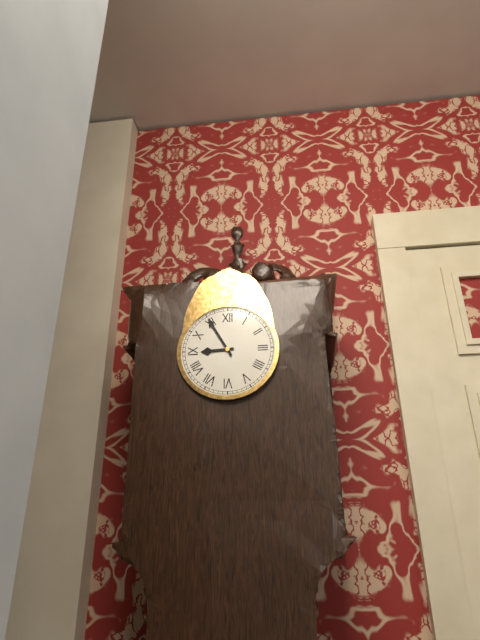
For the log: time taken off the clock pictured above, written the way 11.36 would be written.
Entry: 8.55
